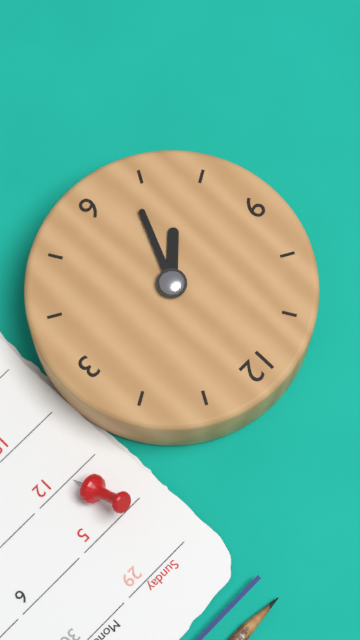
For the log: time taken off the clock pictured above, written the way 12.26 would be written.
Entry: 7.34
